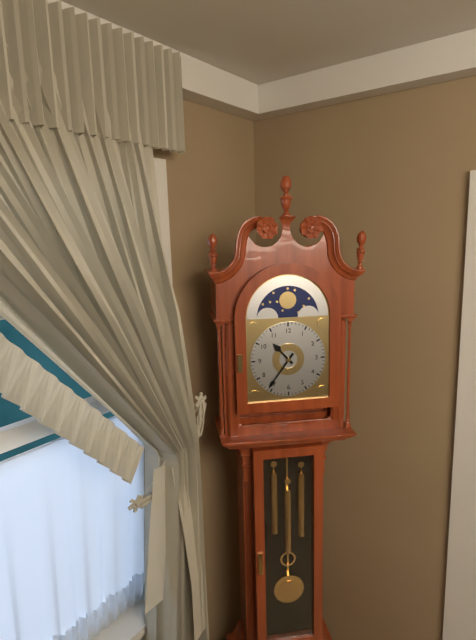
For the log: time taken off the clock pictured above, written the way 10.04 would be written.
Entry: 10.36
